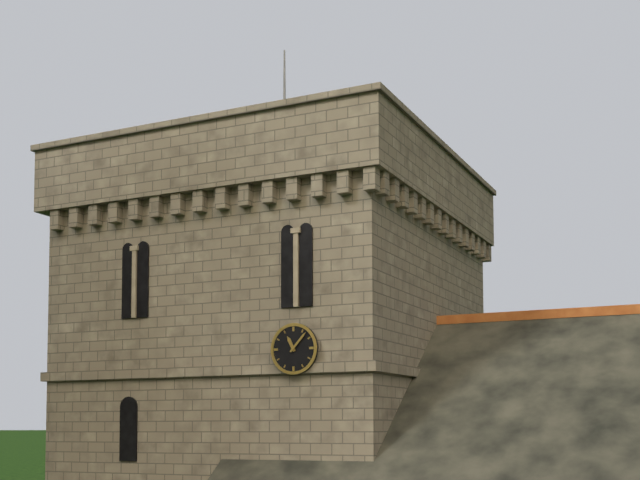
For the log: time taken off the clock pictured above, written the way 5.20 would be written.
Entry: 11.07
